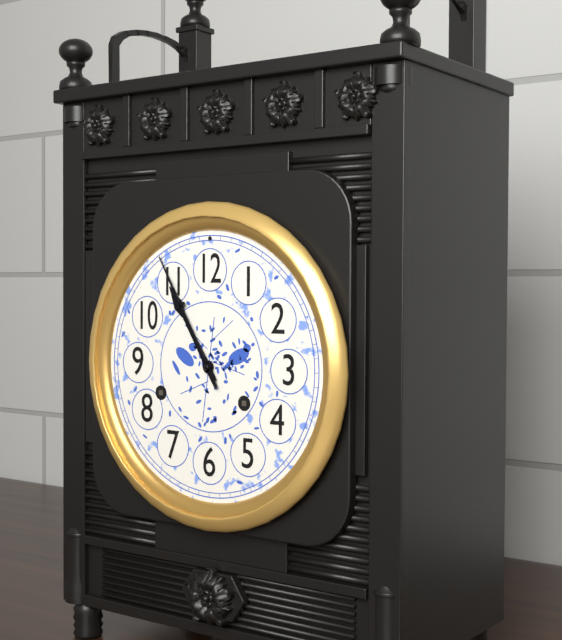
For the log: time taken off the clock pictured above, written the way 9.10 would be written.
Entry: 10.55
